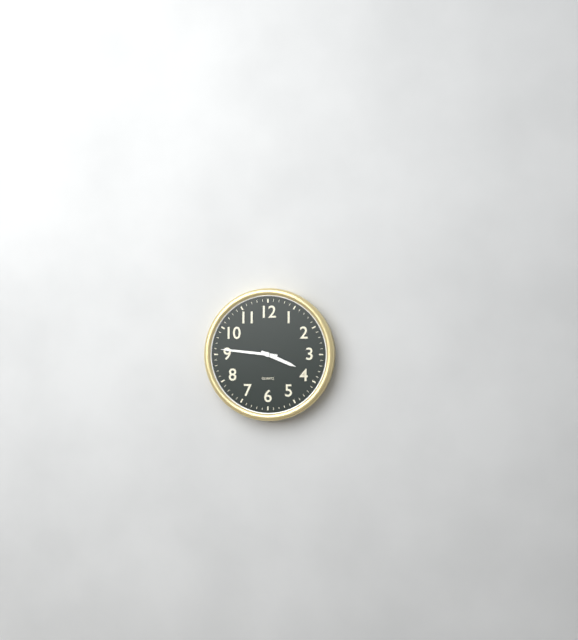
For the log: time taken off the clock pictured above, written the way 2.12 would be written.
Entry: 3.46
